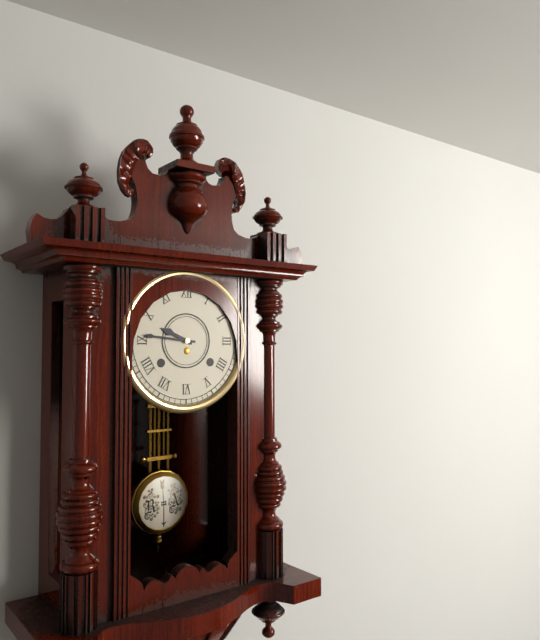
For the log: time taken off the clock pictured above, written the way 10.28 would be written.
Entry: 9.46
